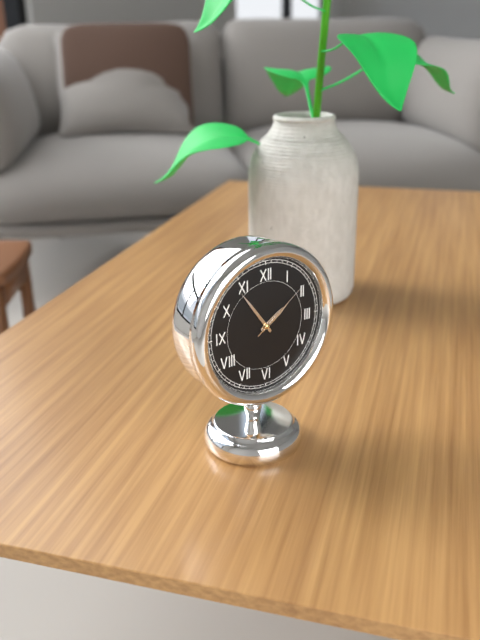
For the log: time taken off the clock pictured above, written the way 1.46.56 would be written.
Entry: 1.54.09
